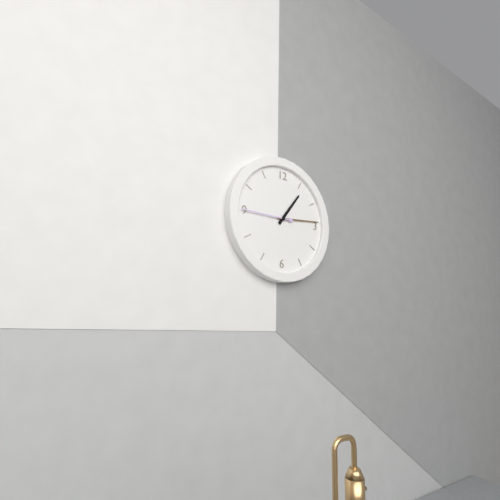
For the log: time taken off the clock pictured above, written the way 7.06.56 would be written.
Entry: 1.14.45
